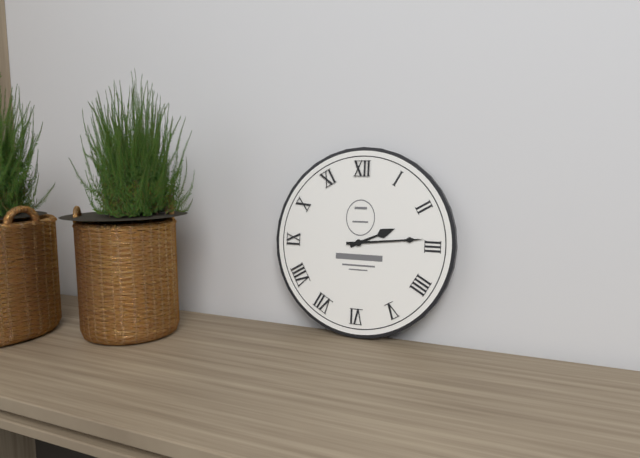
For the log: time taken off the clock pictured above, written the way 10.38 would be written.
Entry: 2.14
